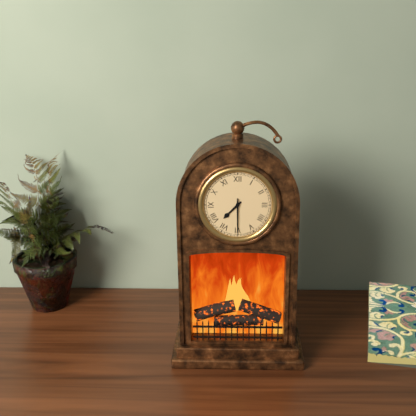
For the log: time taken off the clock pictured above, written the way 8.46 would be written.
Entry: 7.30
